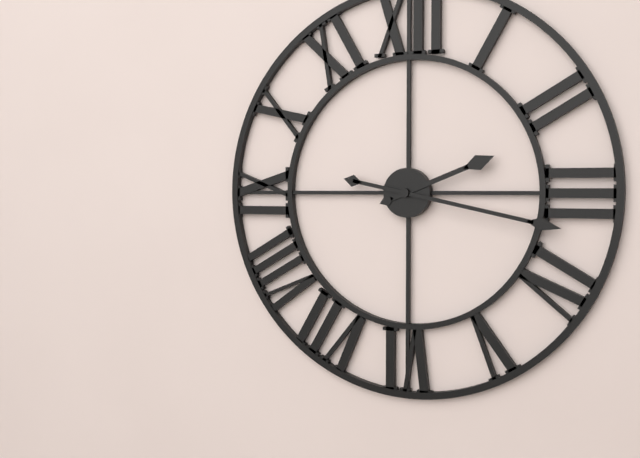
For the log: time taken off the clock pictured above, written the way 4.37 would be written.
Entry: 2.17
